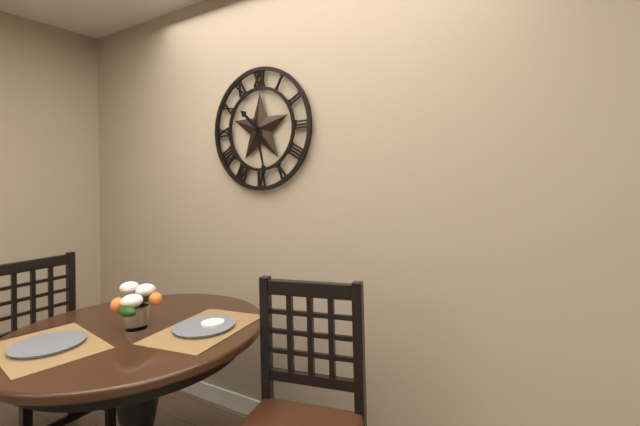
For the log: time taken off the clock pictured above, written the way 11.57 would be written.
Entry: 10.28
